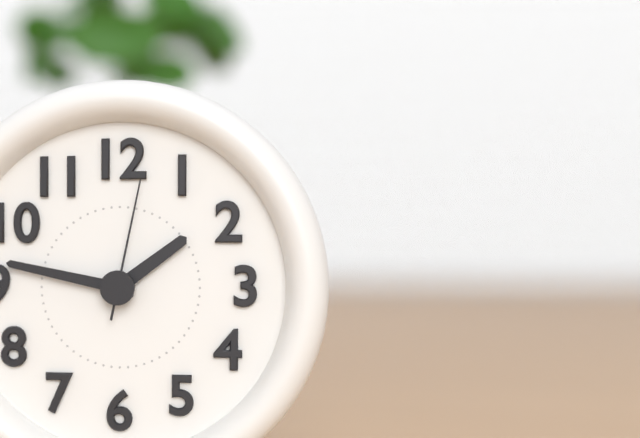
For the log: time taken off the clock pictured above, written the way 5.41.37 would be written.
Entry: 1.47.02
